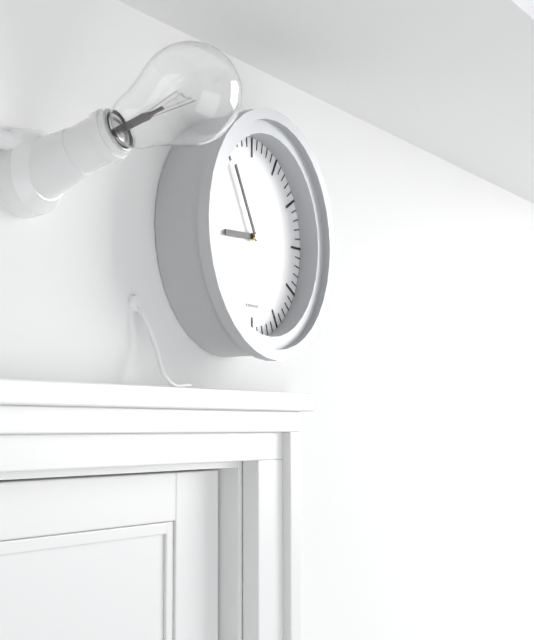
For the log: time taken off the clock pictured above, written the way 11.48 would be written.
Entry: 8.55
